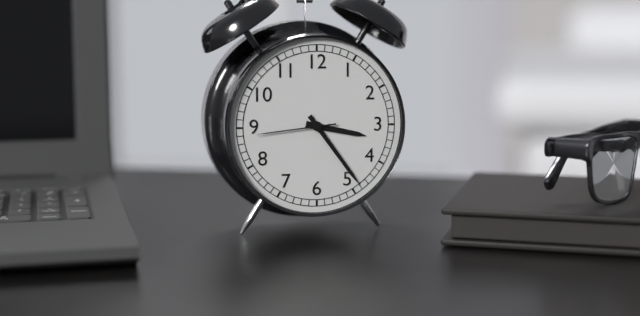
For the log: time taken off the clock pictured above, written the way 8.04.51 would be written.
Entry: 3.24.44
